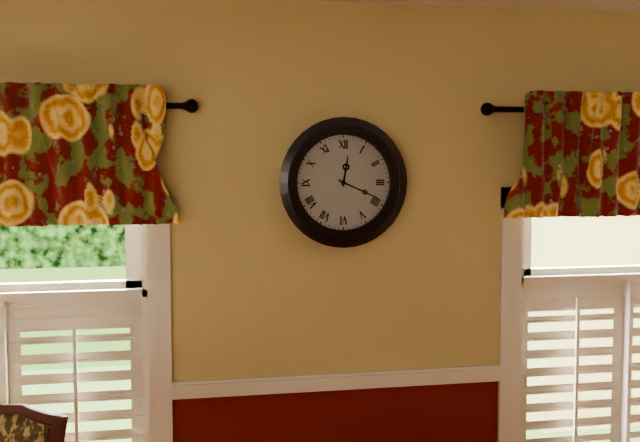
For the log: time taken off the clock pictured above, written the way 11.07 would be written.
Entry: 12.19
